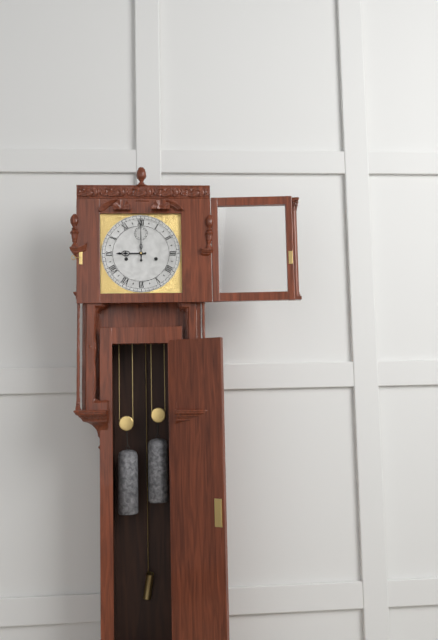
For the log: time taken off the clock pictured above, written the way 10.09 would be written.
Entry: 9.00
